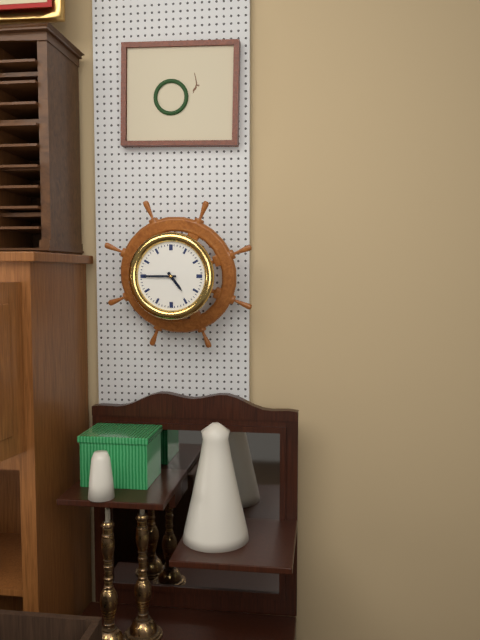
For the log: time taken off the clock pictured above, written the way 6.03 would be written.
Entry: 4.45
